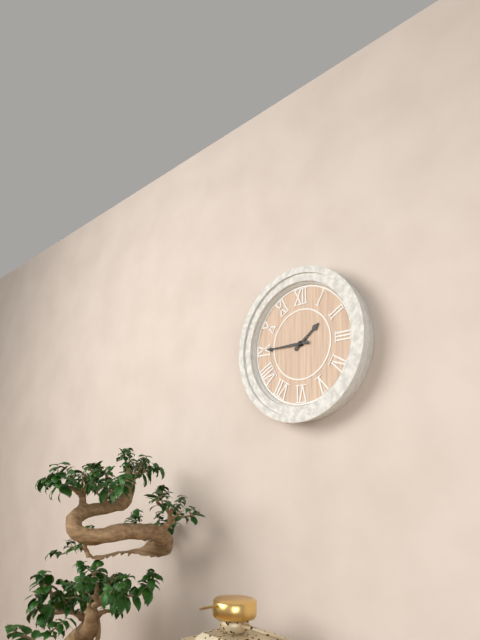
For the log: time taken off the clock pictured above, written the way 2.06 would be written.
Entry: 1.45
